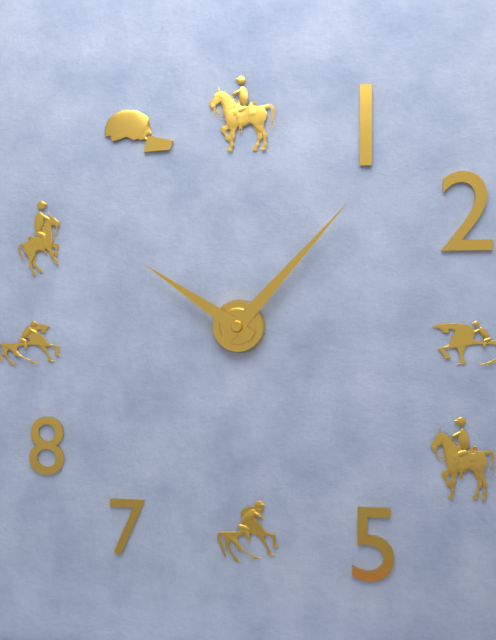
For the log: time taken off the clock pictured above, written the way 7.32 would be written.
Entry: 10.07
